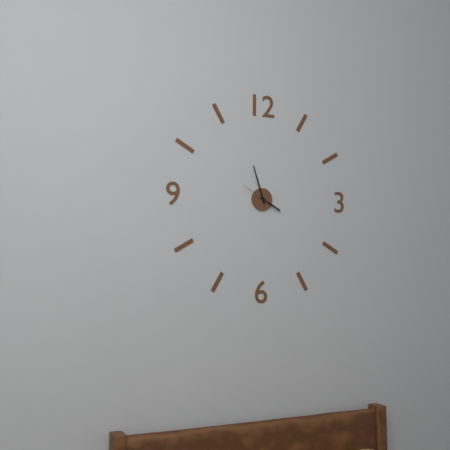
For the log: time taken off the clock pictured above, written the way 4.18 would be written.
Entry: 3.57
